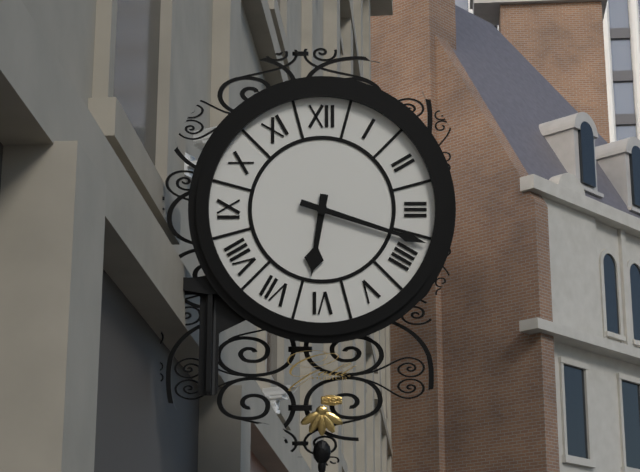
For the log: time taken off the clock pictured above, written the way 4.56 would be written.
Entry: 6.18
